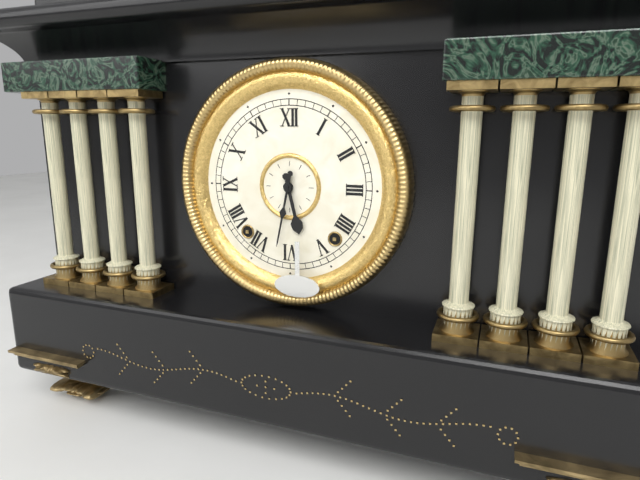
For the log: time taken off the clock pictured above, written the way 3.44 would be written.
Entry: 5.32
